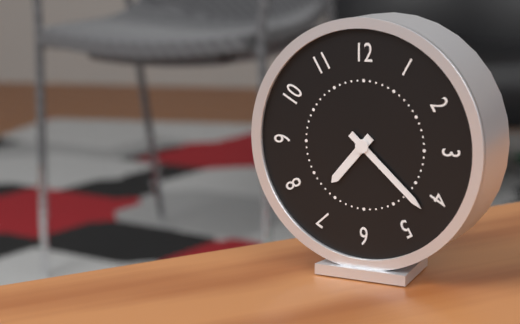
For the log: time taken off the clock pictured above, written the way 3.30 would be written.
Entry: 7.22
